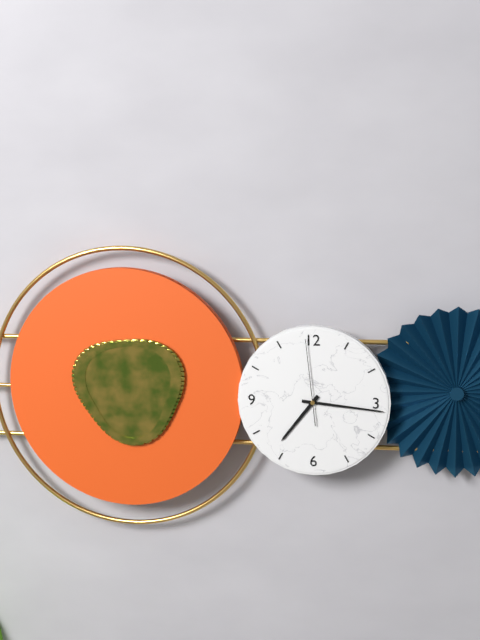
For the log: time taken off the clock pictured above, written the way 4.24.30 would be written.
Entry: 7.16.59
